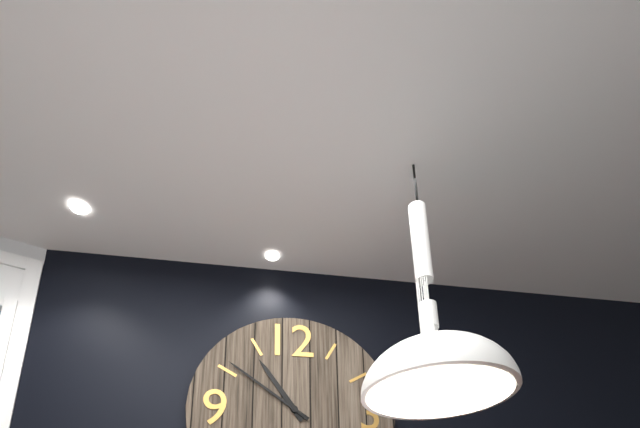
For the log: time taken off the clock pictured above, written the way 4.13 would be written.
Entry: 10.51
